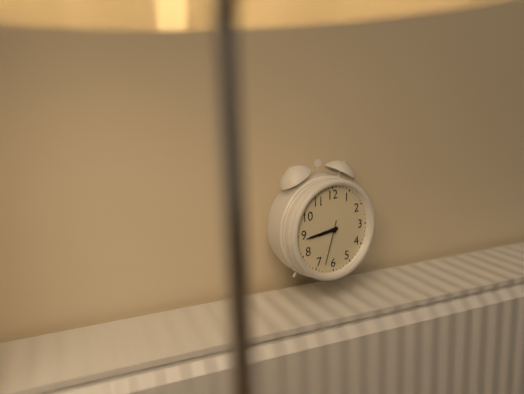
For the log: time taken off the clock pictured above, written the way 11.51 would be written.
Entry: 8.44
